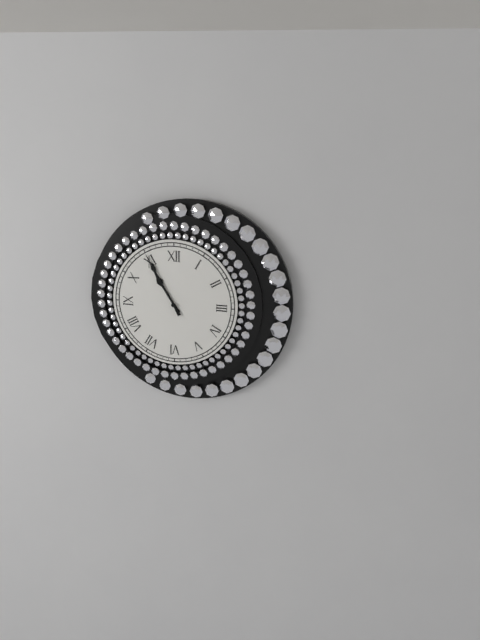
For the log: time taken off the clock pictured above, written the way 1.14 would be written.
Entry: 10.55
